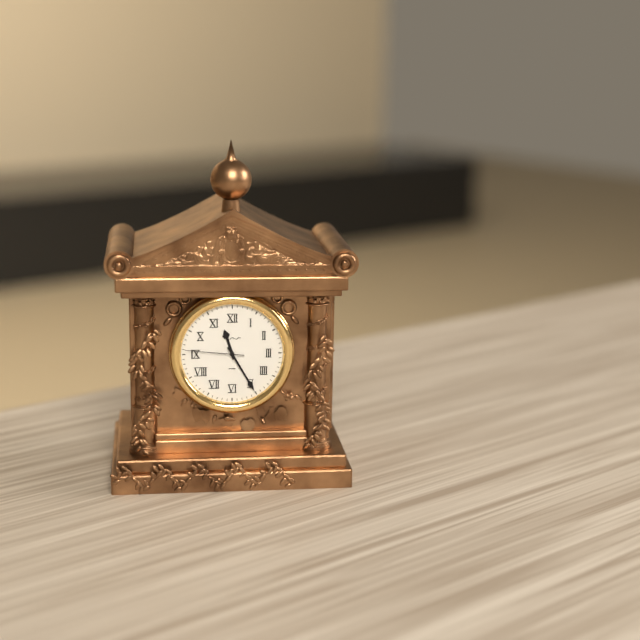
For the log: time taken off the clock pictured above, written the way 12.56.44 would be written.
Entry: 11.25.46
